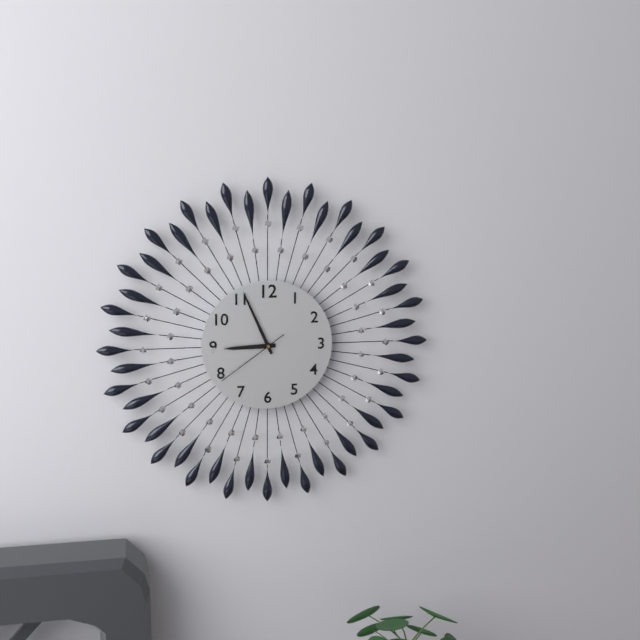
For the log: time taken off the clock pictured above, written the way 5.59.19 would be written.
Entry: 8.56.39
